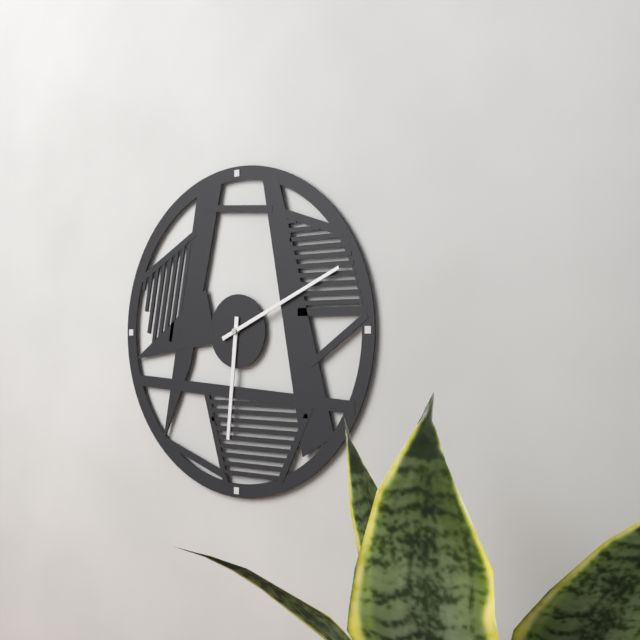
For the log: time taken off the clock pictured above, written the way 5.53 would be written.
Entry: 6.11
